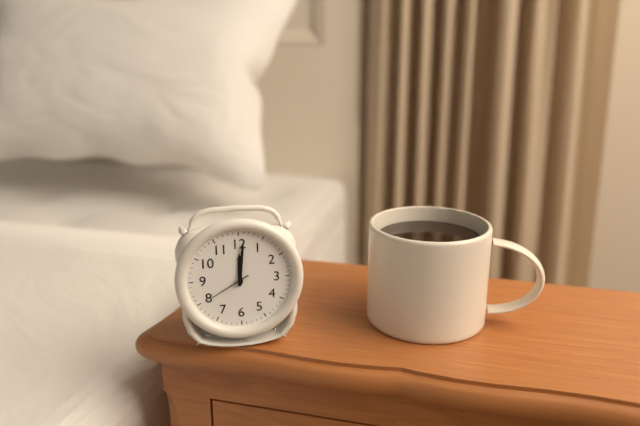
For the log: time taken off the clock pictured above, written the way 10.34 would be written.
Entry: 12.01
